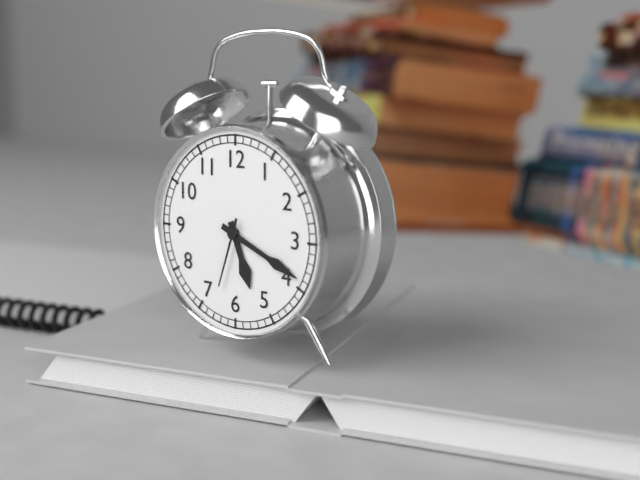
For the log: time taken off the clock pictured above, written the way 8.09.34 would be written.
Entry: 5.19.33
